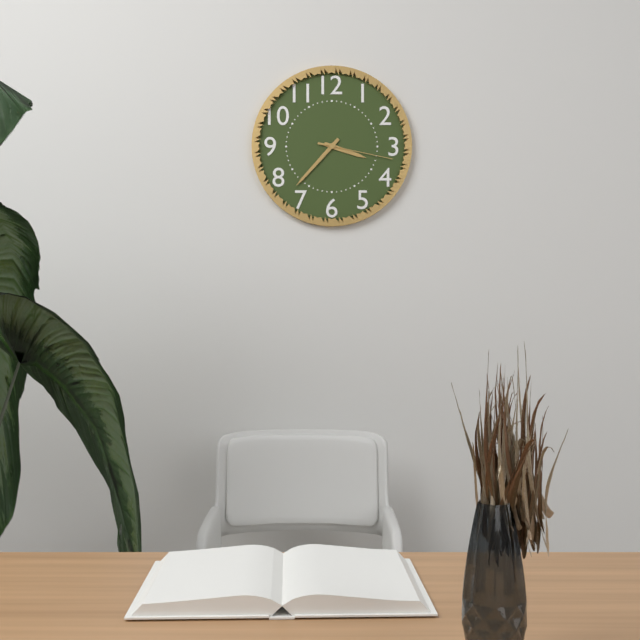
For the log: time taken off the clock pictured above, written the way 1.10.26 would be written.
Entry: 3.37.17
